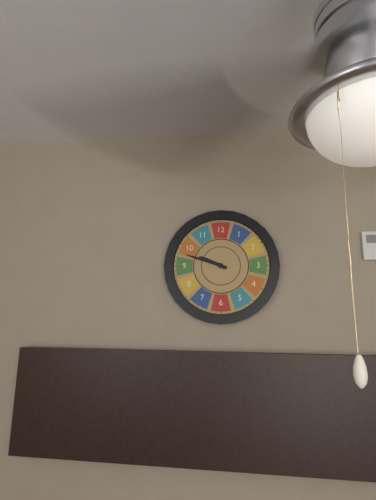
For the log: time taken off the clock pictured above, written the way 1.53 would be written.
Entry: 9.48
